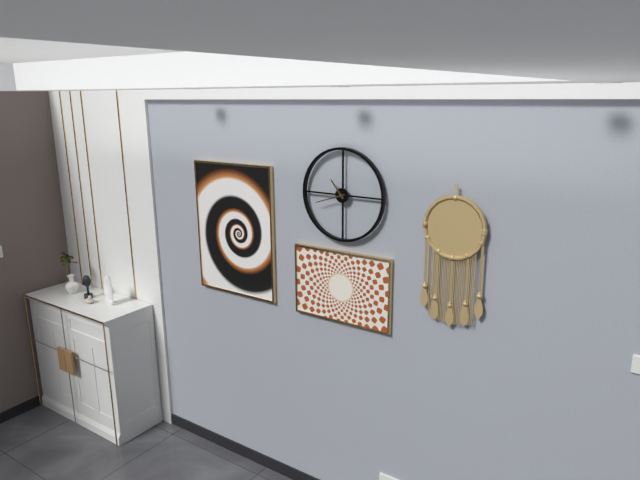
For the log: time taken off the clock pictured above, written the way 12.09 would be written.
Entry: 10.42
